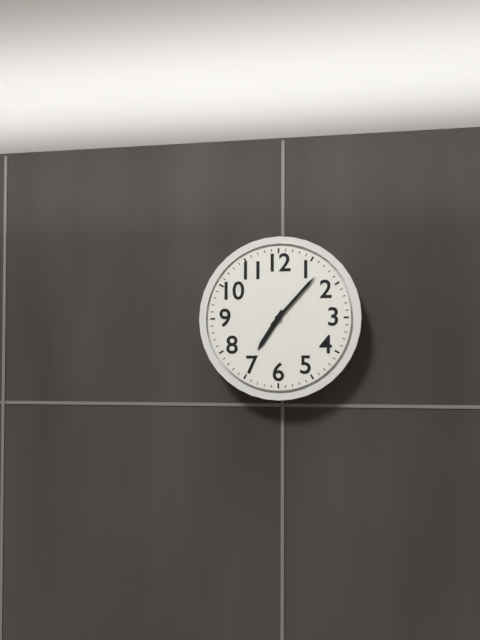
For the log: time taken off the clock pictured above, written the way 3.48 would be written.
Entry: 7.07
